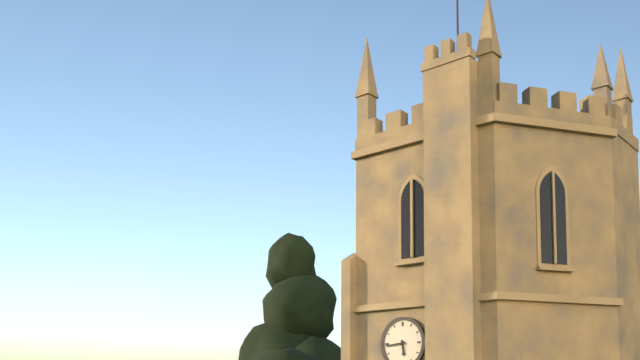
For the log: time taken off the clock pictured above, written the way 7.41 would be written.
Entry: 5.44
